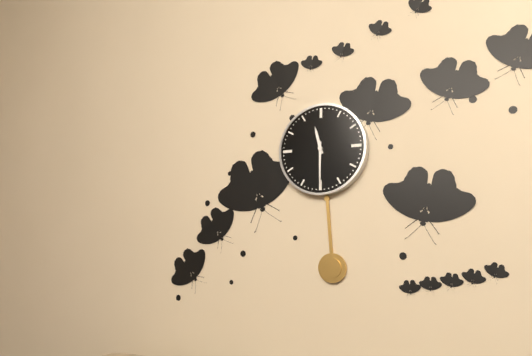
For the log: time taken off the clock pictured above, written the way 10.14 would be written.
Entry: 11.30
